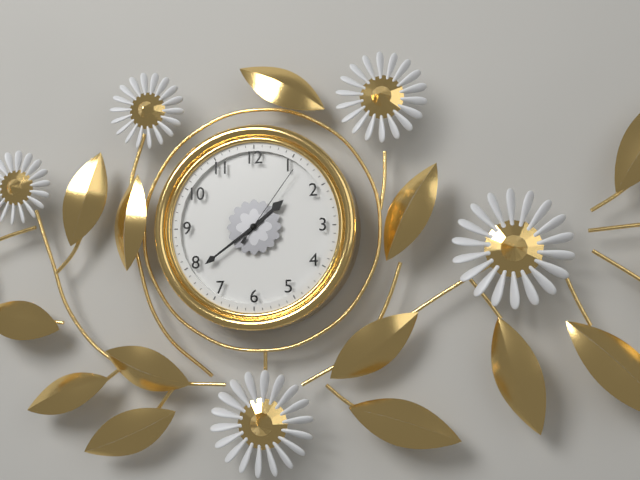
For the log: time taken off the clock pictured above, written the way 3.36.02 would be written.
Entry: 1.39.06
